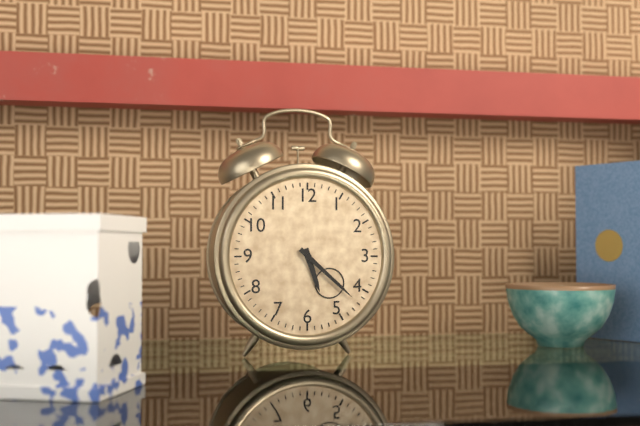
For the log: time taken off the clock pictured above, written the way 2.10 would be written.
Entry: 5.22
